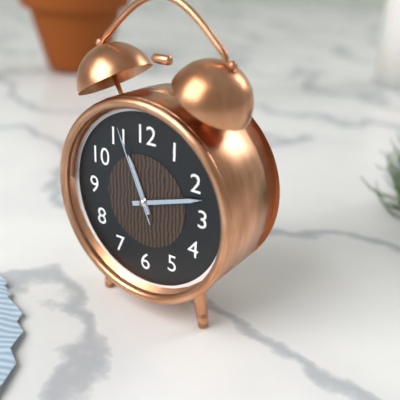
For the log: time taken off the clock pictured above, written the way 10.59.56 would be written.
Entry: 11.12.56
